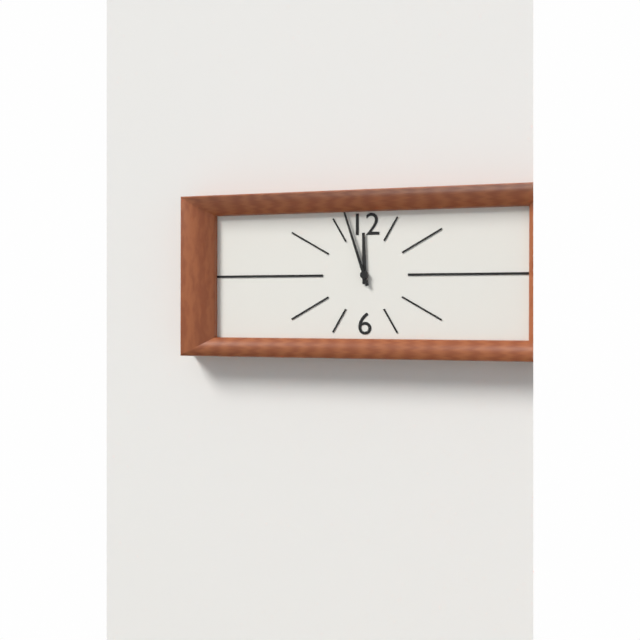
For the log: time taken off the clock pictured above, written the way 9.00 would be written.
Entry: 11.57
